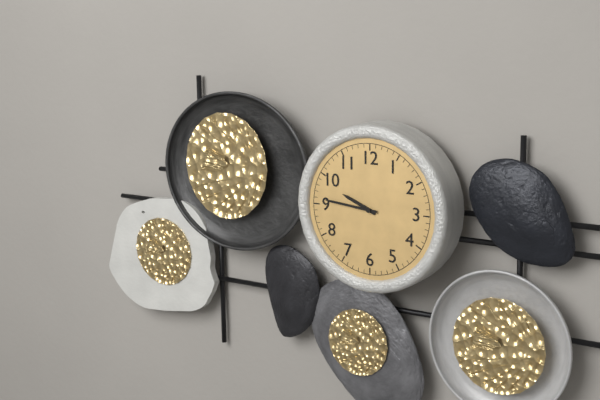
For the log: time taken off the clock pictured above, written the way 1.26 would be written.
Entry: 9.46
